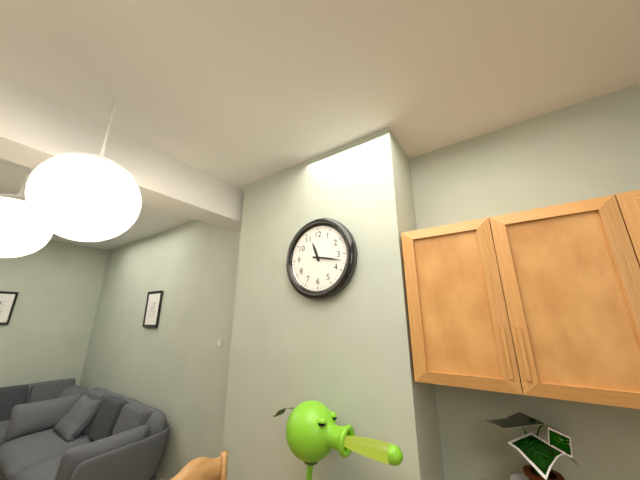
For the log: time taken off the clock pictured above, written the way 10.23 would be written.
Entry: 11.17
